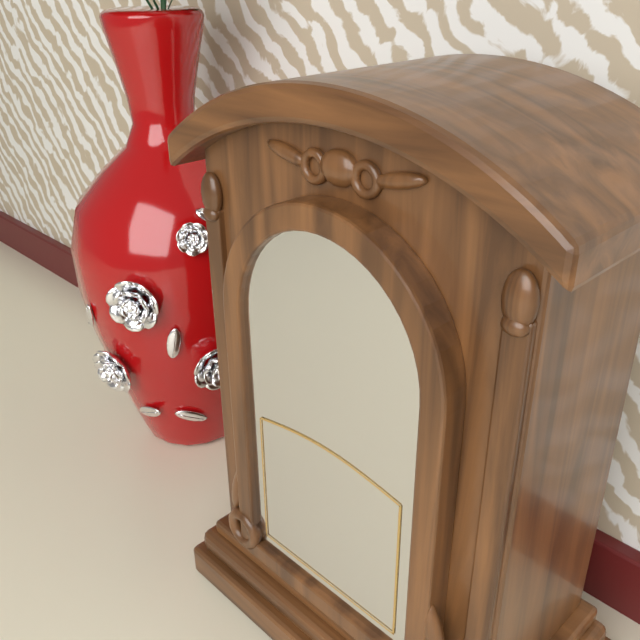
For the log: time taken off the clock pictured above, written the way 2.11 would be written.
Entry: 10.16
